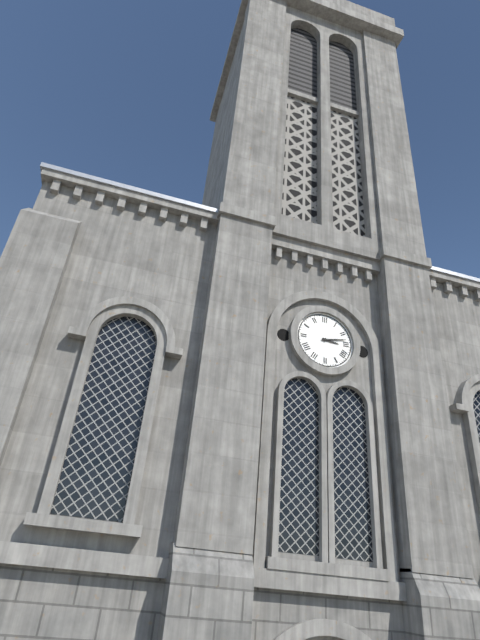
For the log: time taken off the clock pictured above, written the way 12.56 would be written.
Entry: 3.13
